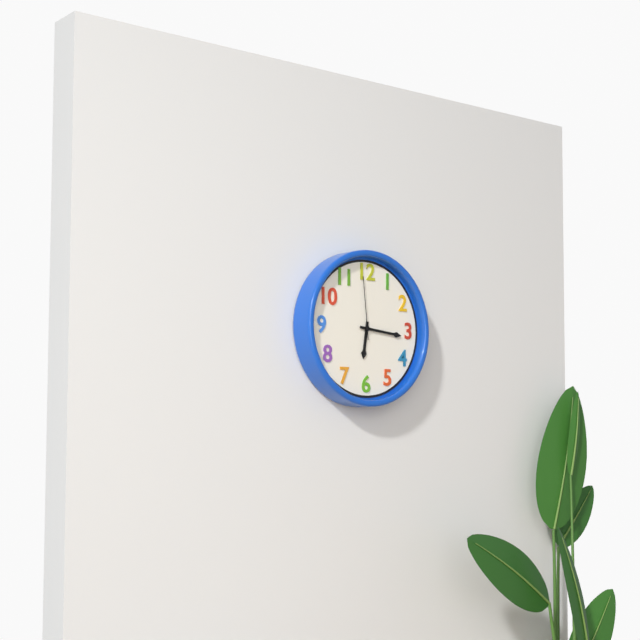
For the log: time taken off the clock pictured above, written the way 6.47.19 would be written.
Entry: 6.16.59
